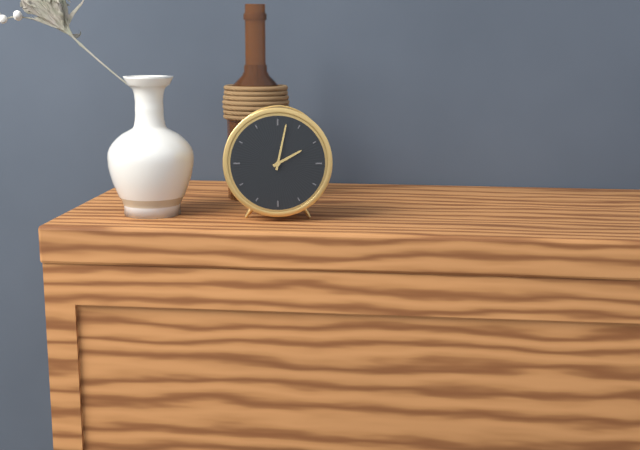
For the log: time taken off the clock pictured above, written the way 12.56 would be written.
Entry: 2.02
